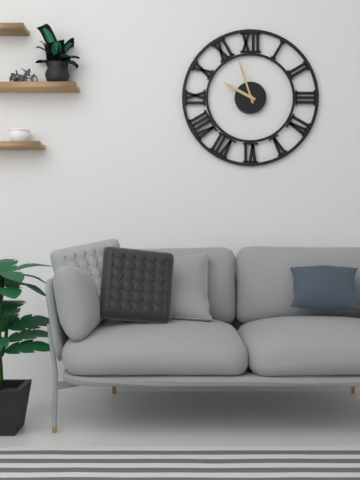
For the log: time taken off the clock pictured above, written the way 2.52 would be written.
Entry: 9.57
